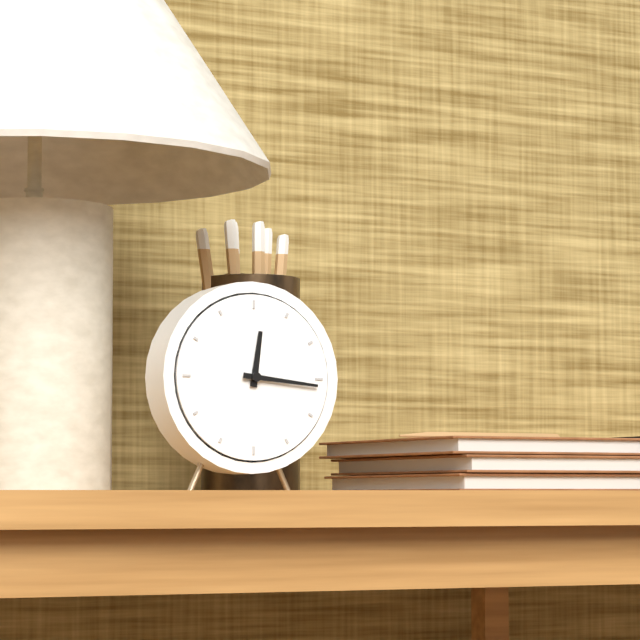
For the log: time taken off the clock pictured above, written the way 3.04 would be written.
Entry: 12.16
